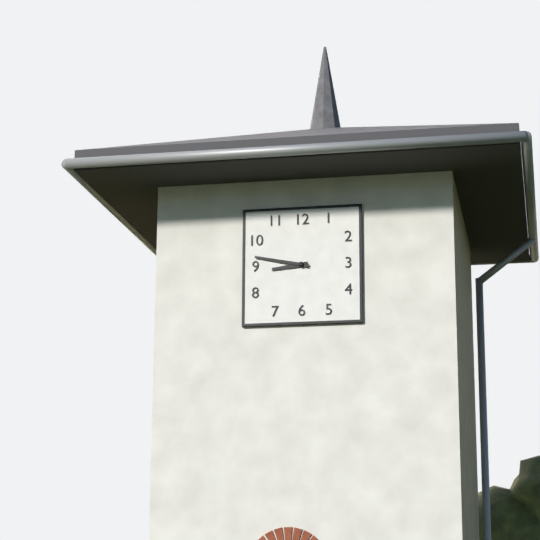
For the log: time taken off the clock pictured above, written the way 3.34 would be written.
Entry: 8.47
